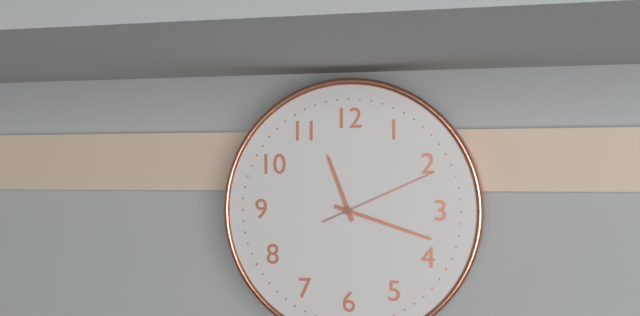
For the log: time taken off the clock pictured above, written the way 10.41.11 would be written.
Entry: 11.18.11
